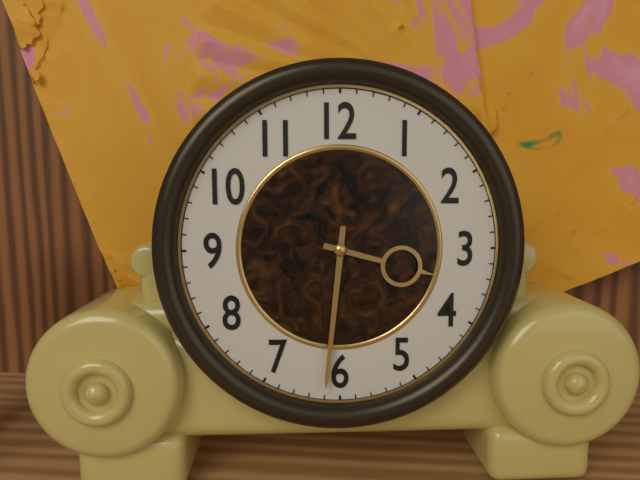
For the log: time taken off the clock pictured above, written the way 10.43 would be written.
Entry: 3.31
